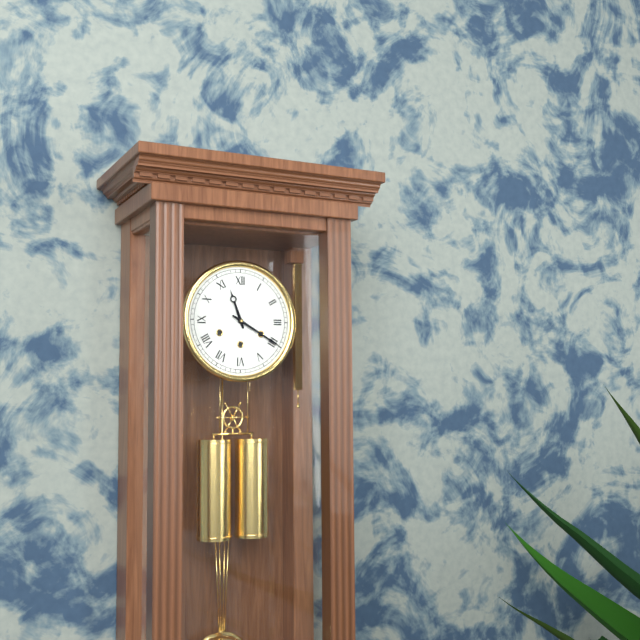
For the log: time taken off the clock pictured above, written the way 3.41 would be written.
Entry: 11.20
